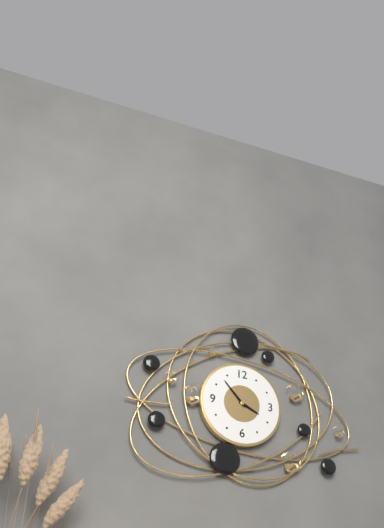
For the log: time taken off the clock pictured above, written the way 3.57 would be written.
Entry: 3.53
